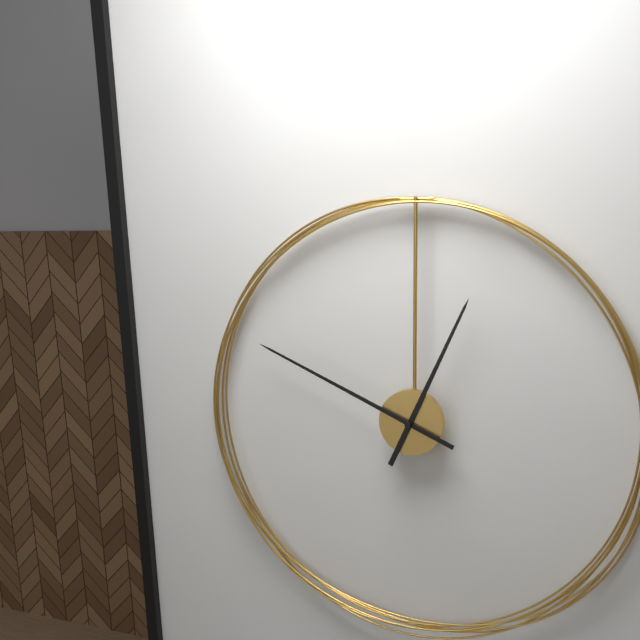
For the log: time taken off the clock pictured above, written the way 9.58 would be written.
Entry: 12.49
